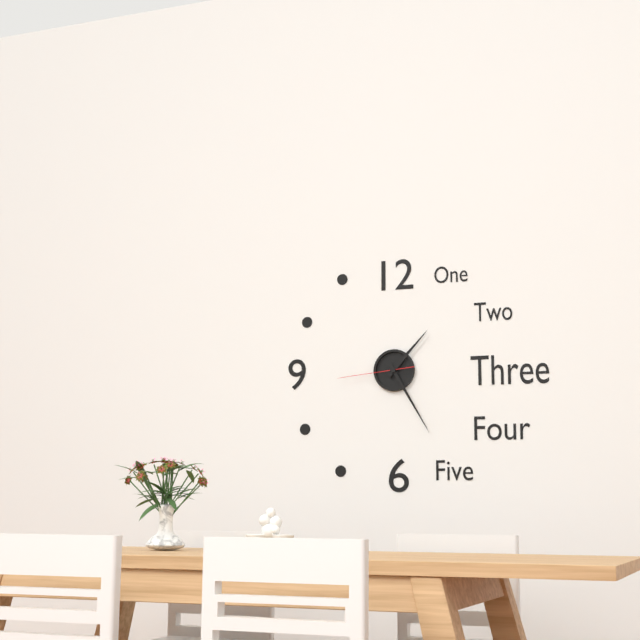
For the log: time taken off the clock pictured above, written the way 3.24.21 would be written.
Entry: 1.25.44
